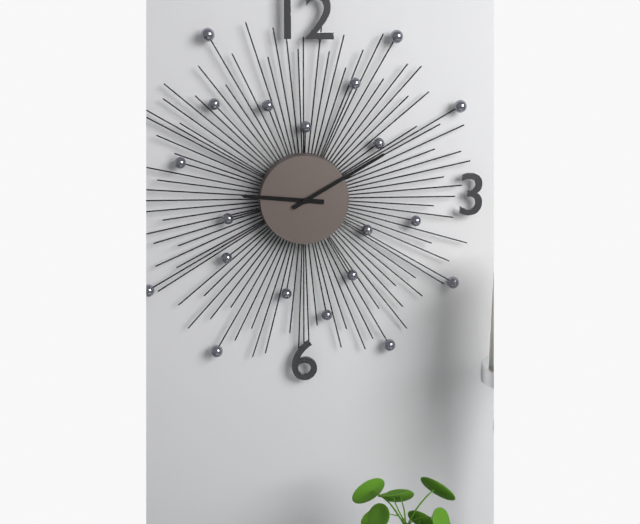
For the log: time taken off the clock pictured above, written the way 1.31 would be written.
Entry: 9.10
